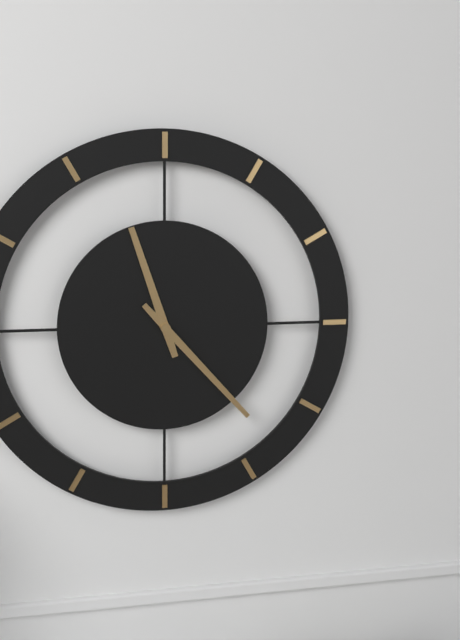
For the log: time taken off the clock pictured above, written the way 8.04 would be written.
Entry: 11.23
